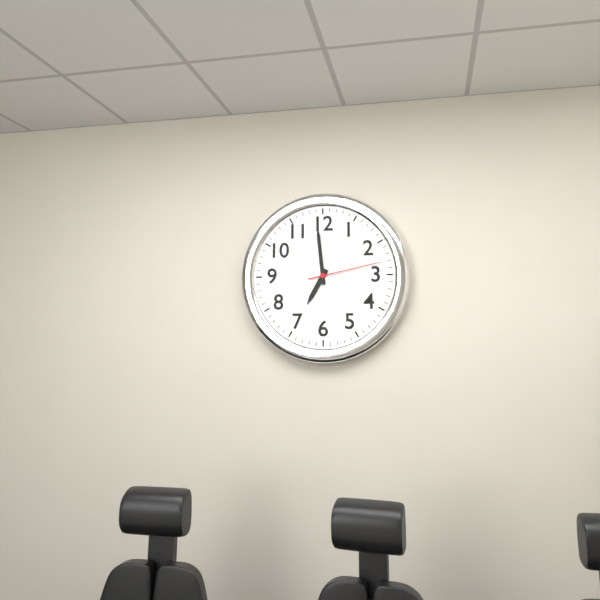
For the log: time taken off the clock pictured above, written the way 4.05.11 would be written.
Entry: 6.59.13
